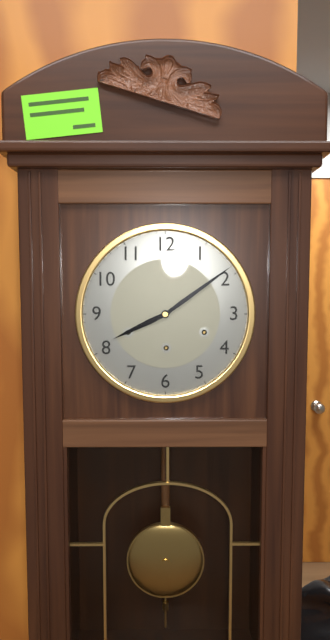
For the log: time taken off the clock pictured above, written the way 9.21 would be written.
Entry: 8.09
